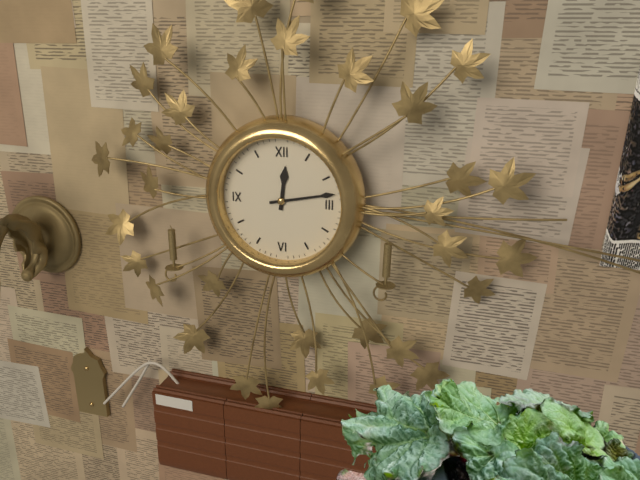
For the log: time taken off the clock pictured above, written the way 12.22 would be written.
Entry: 12.13
